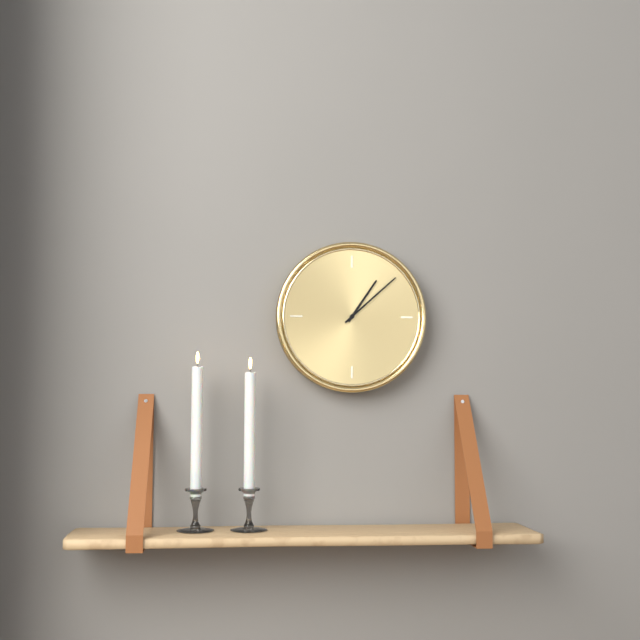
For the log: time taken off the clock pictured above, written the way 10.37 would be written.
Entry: 1.08
